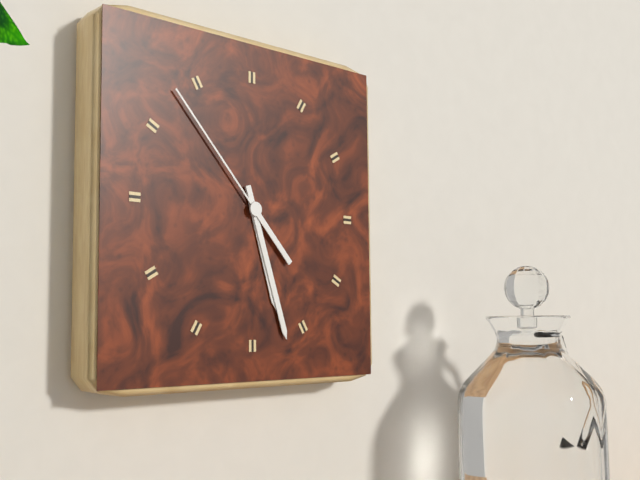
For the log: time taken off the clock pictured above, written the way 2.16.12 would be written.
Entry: 5.27.53
